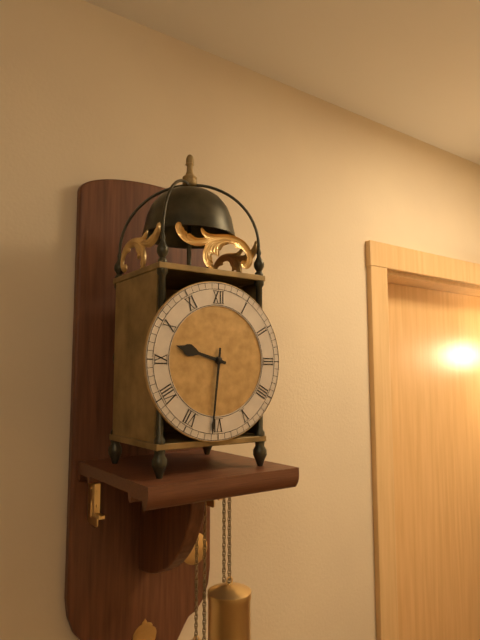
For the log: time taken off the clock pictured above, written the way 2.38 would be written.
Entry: 9.31
